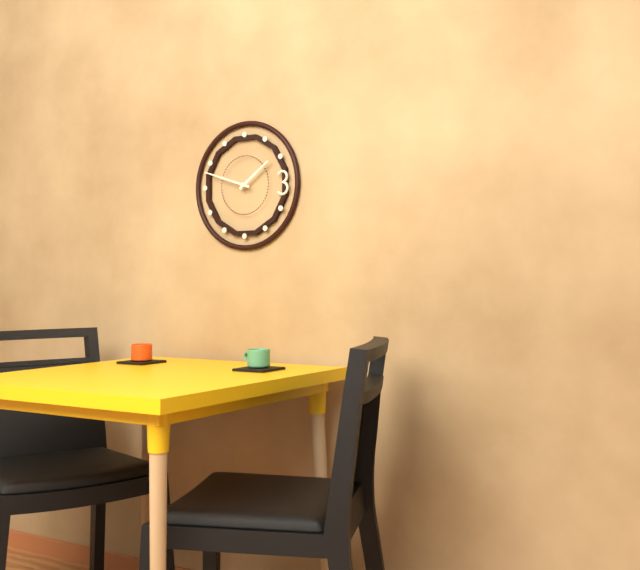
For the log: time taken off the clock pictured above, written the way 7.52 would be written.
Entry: 1.48
